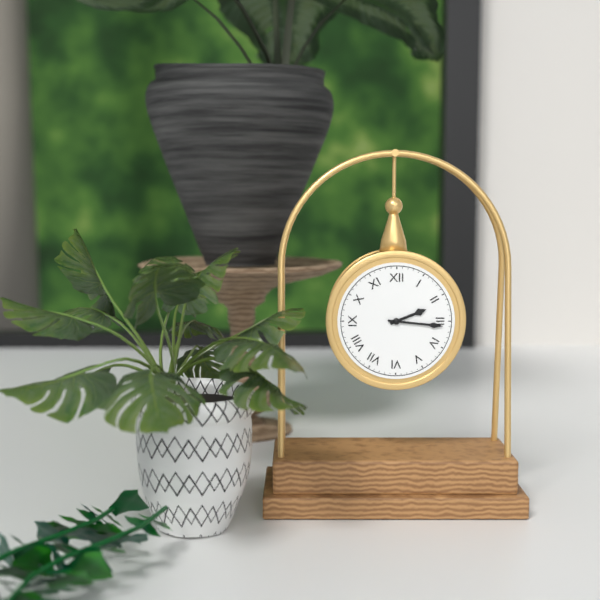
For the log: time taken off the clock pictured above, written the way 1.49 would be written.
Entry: 2.16
